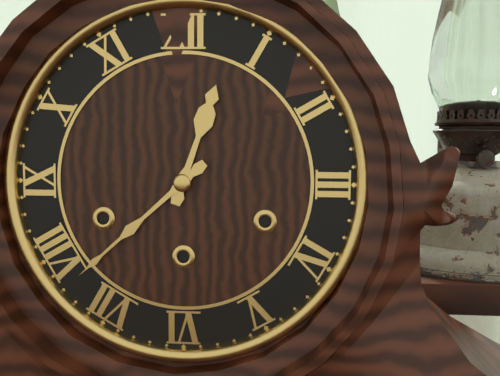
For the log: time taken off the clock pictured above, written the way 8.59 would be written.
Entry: 12.38
